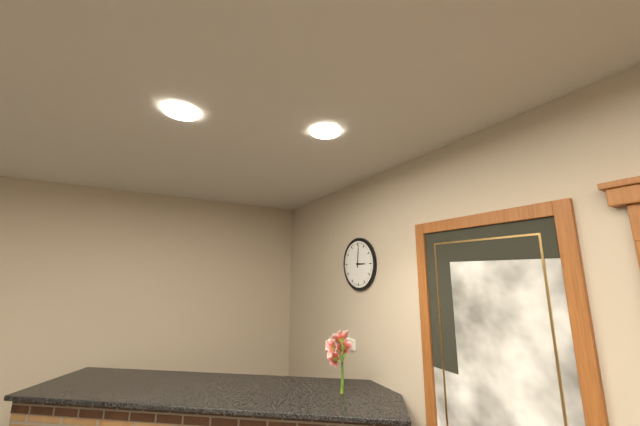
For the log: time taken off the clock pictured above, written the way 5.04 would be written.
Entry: 3.01
